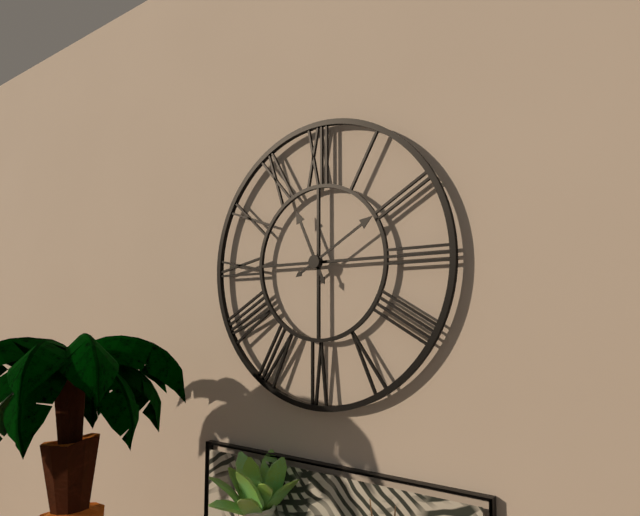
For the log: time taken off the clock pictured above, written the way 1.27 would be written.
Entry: 11.10
